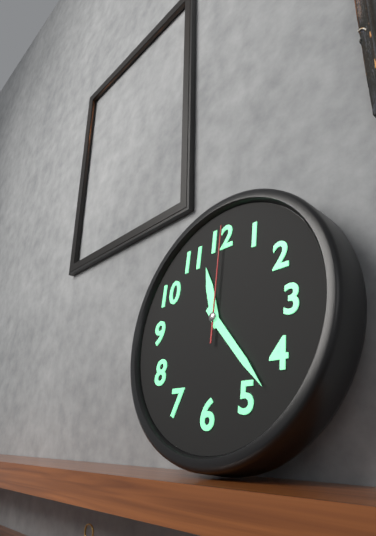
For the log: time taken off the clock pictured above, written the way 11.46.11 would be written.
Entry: 11.23.00
